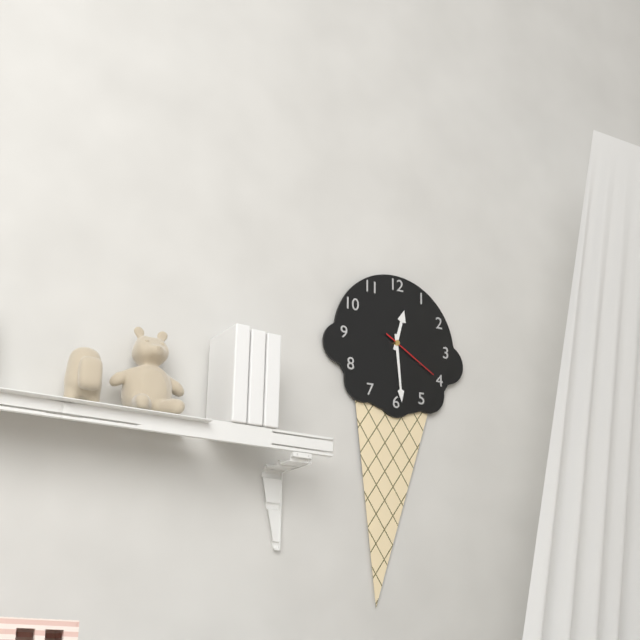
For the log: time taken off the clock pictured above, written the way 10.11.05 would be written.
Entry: 12.29.20
